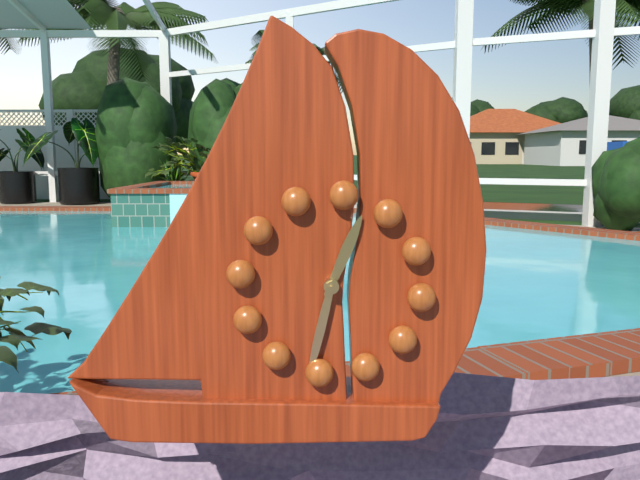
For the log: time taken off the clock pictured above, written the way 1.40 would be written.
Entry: 12.31
